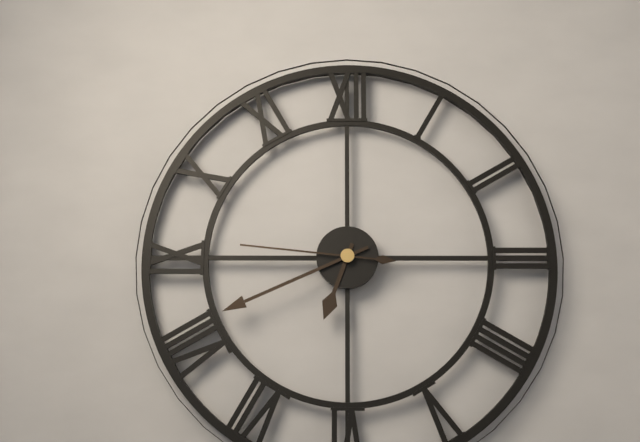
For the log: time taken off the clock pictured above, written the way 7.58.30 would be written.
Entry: 6.41.46
